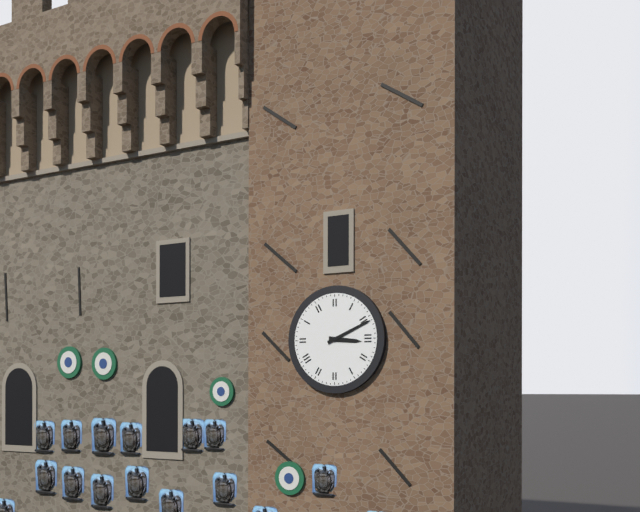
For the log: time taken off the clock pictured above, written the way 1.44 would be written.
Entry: 3.11
